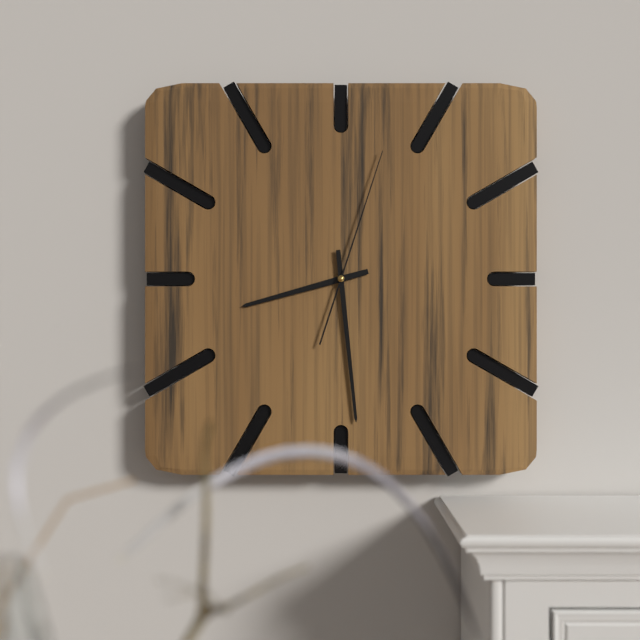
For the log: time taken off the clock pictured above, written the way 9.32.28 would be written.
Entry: 8.29.03
